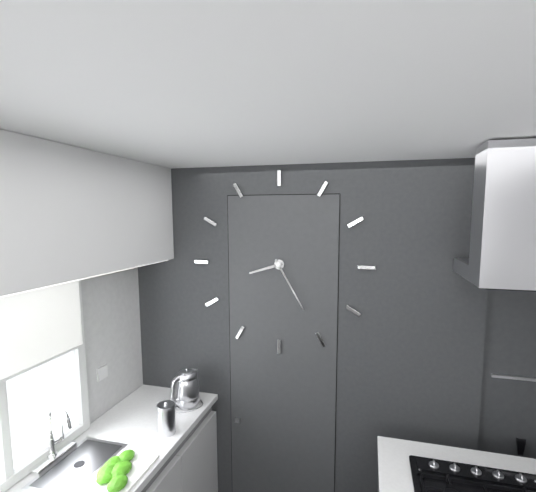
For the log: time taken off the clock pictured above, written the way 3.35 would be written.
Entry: 8.25
